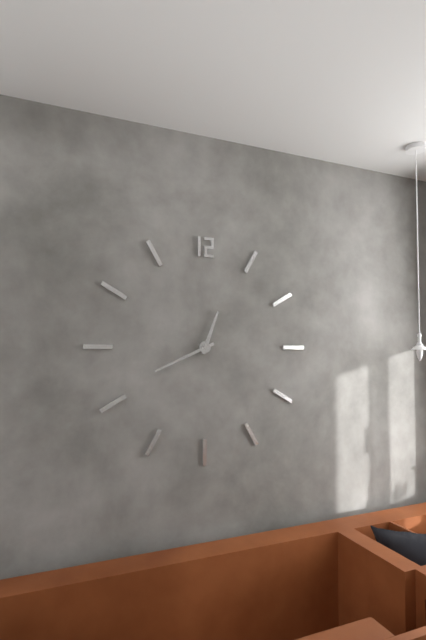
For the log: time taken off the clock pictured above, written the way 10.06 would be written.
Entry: 12.41
